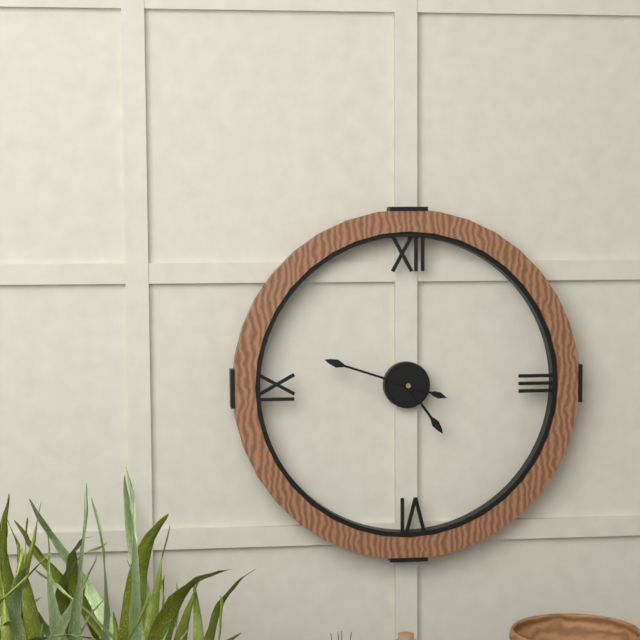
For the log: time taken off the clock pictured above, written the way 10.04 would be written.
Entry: 4.48
